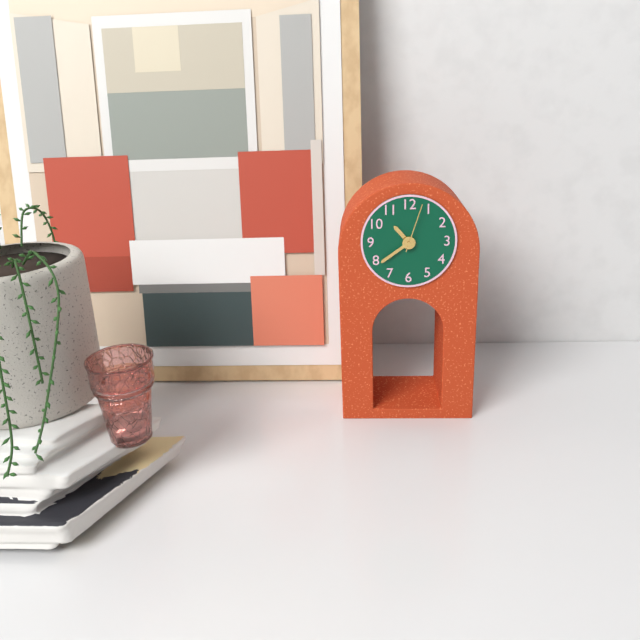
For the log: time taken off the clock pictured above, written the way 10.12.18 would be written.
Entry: 10.39.03
